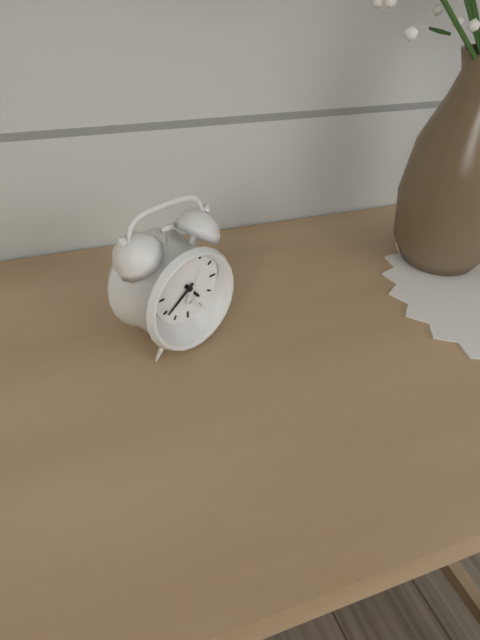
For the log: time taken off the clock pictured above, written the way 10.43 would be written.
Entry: 4.39
